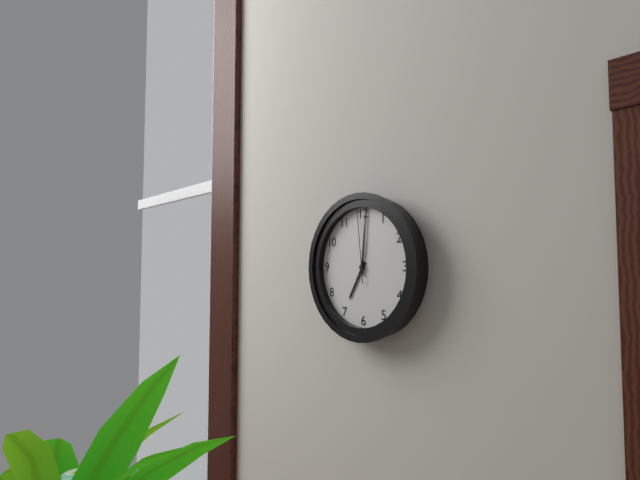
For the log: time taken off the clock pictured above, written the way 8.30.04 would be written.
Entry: 7.01.59
